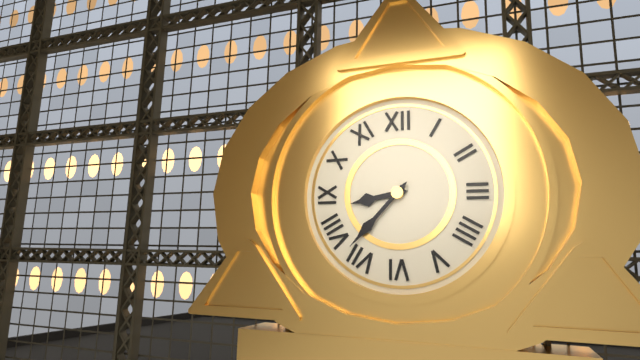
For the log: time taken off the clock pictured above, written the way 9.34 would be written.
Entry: 8.37
